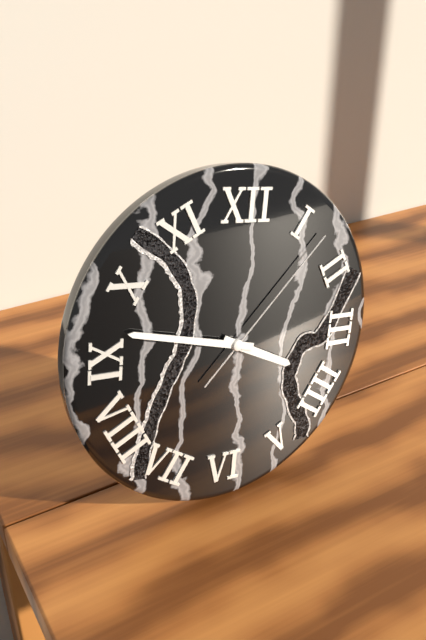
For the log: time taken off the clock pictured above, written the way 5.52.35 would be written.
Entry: 3.47.07
